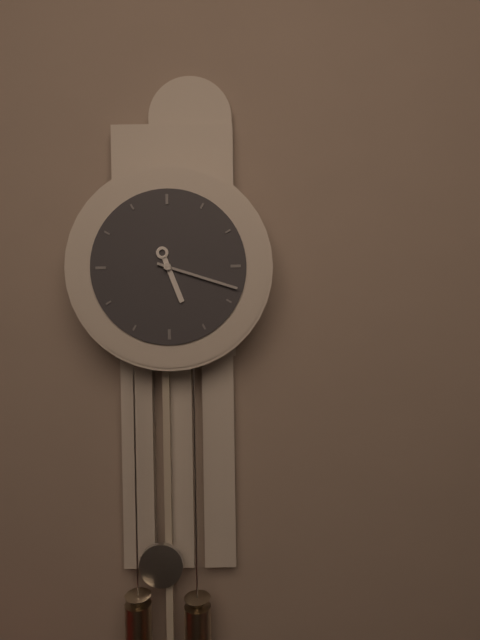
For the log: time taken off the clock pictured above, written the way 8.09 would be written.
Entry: 5.18
